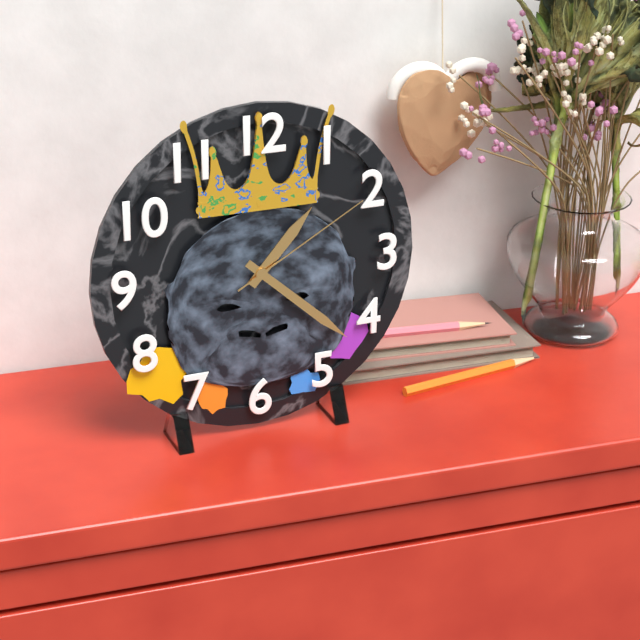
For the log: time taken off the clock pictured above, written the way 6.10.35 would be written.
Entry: 1.22.10
